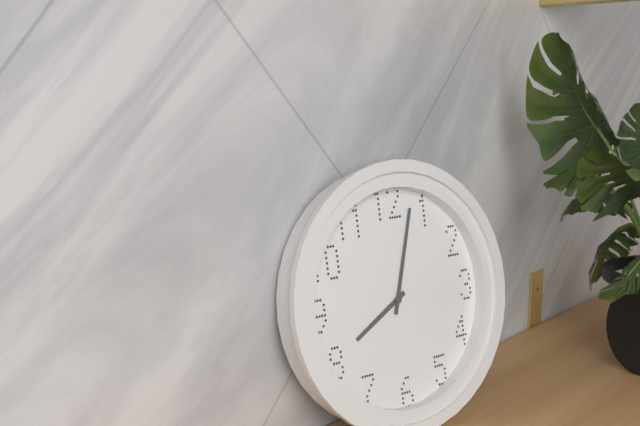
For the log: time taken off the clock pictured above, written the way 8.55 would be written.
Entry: 8.03
